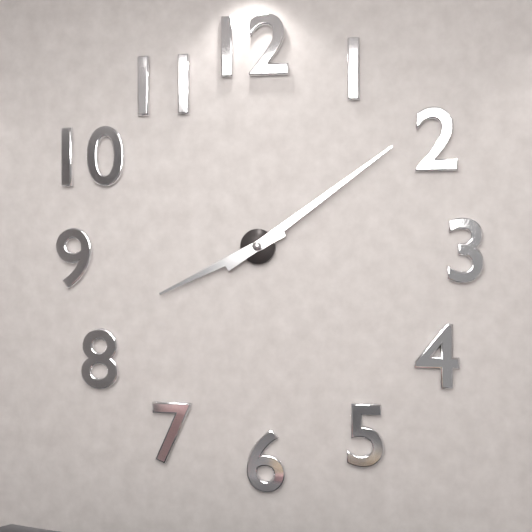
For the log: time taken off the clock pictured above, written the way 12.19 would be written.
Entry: 8.09
